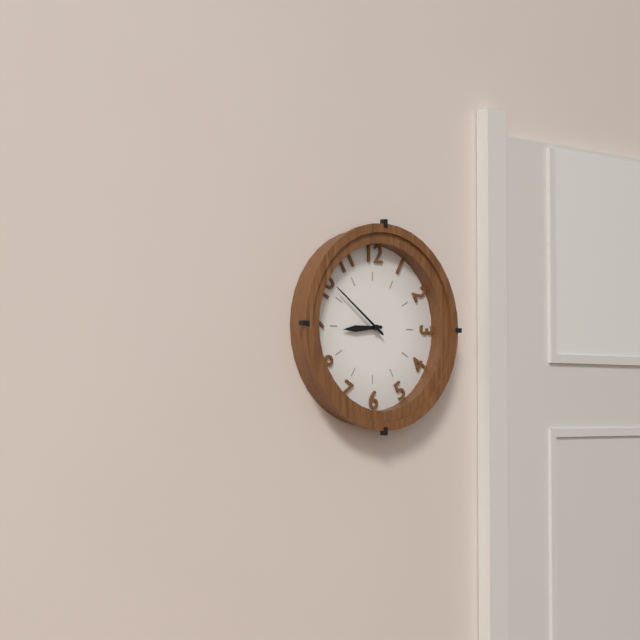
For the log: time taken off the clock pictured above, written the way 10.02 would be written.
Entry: 8.51
